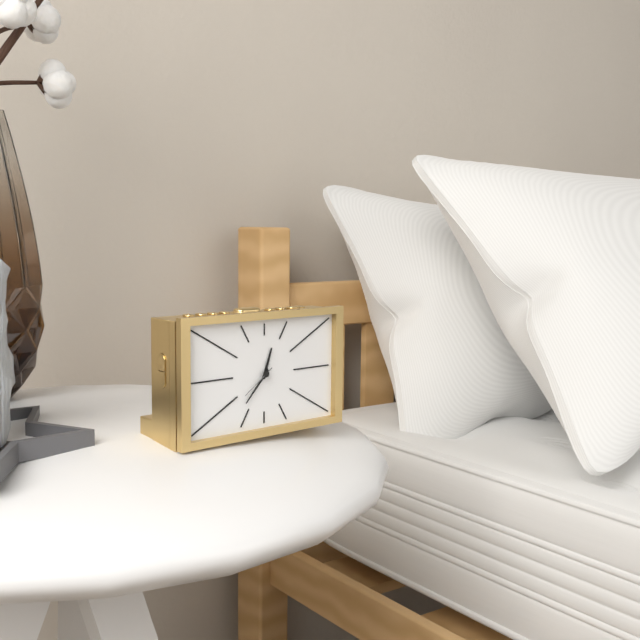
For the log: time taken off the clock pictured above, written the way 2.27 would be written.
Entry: 12.37
